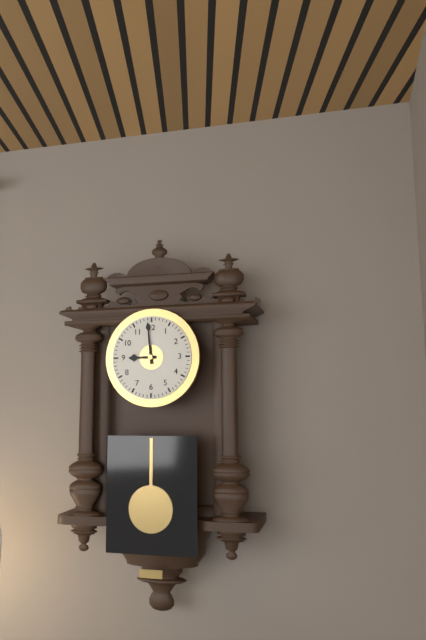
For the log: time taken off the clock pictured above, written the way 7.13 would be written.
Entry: 8.59
